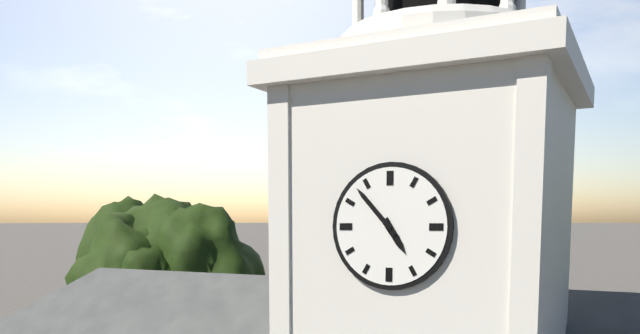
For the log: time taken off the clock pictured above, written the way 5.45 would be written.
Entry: 4.53
